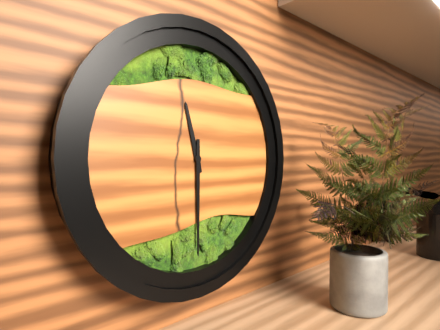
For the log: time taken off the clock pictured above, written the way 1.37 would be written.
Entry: 11.30
